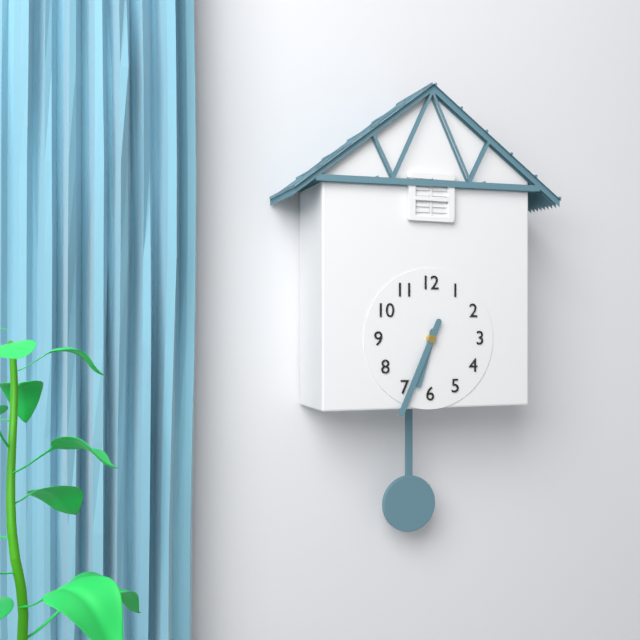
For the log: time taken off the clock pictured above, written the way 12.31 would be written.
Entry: 6.34
